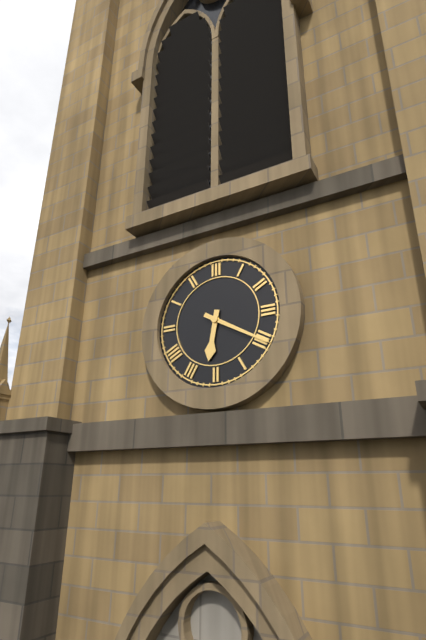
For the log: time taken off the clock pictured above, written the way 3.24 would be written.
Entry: 6.20
